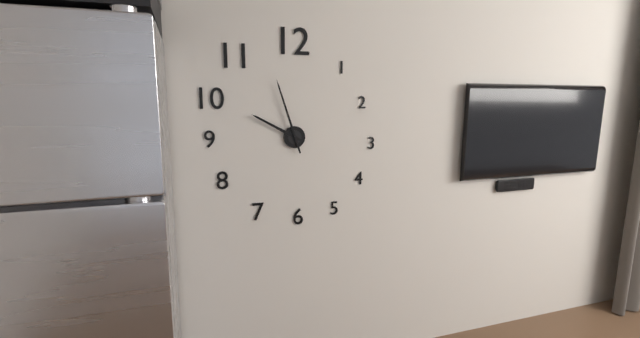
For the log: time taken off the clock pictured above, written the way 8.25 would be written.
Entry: 9.57
